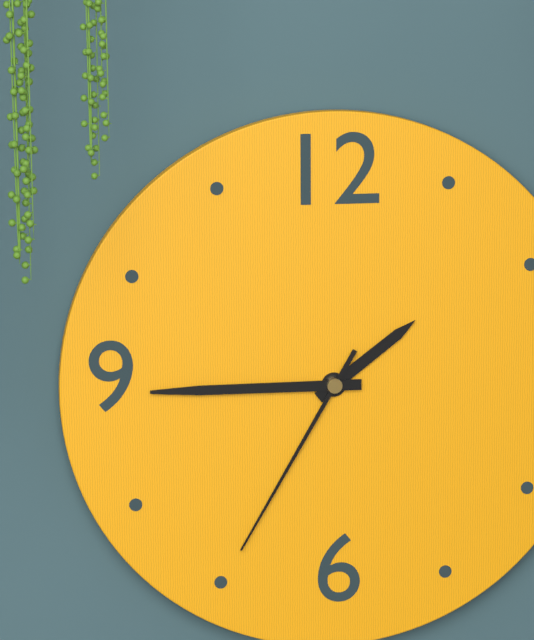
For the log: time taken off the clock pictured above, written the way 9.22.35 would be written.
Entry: 1.45.35
